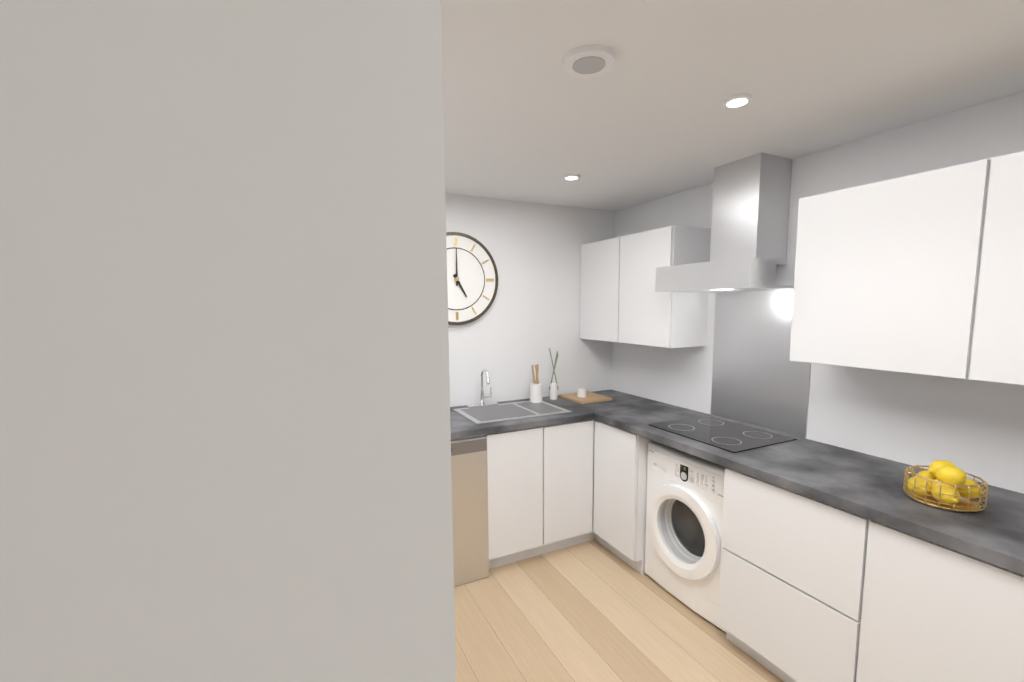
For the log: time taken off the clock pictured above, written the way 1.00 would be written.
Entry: 5.00
